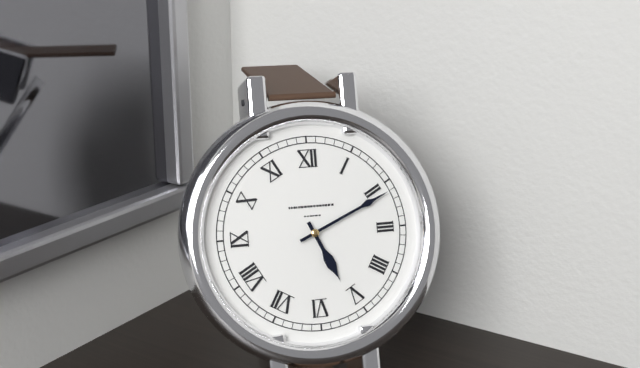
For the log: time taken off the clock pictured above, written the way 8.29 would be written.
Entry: 5.11
